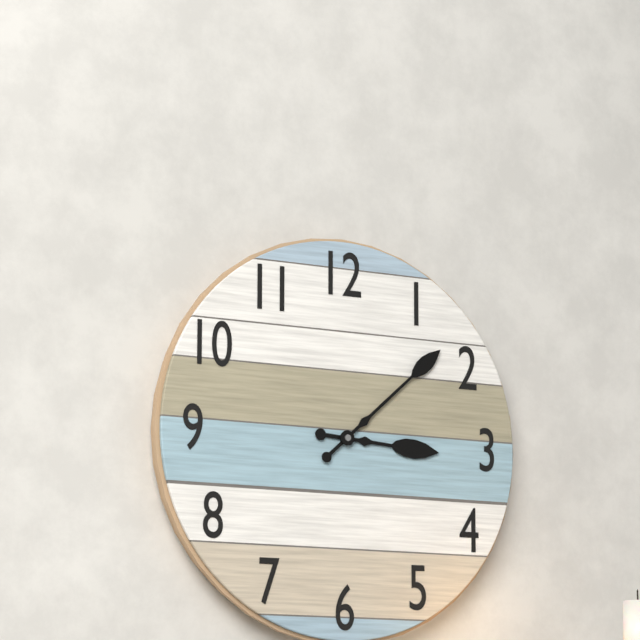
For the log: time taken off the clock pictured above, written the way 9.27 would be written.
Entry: 3.08
